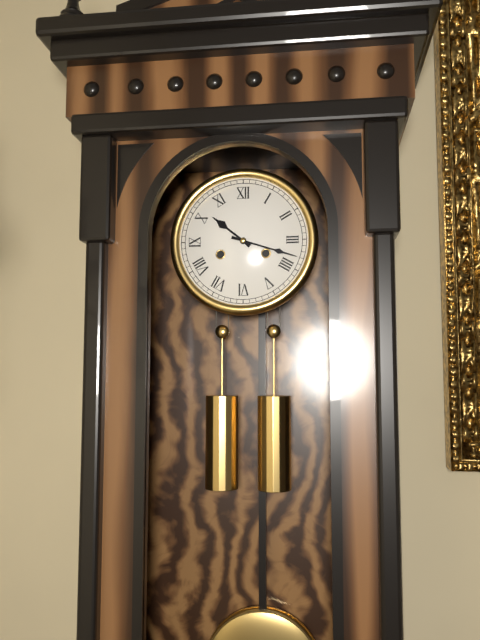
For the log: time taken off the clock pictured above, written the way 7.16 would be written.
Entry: 10.18
